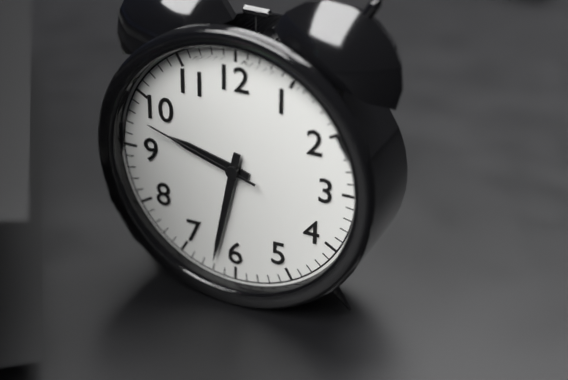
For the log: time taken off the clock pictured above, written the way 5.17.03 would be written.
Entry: 9.32.48
